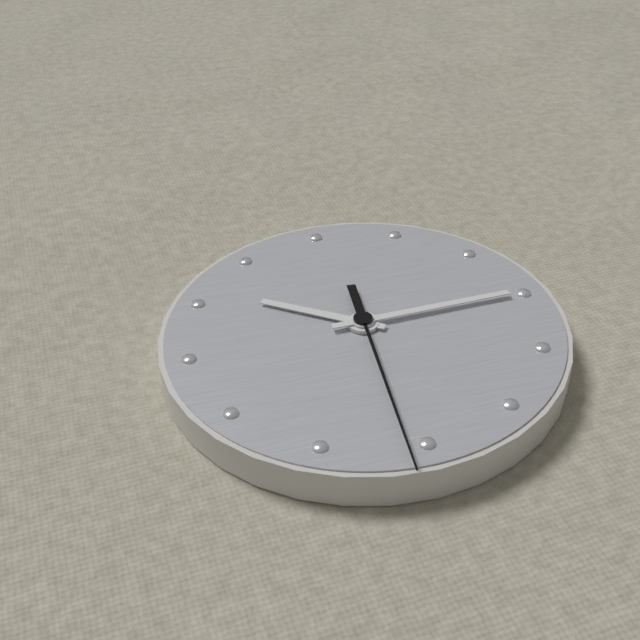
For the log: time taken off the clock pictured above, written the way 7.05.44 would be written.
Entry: 10.15.31
